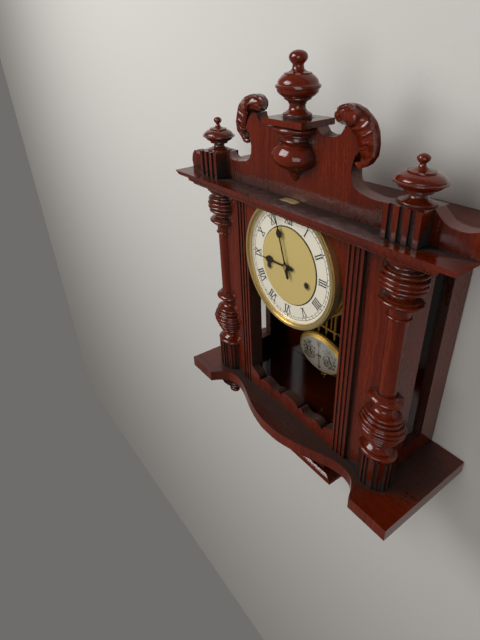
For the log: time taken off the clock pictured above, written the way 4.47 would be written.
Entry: 8.57
